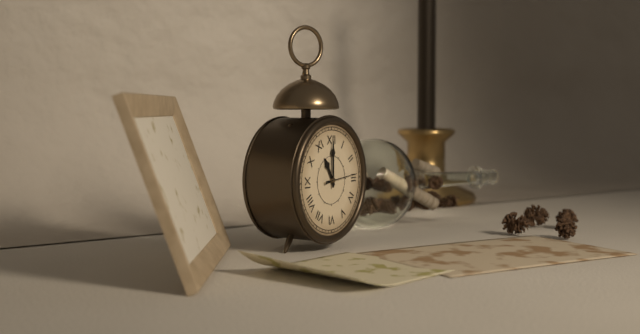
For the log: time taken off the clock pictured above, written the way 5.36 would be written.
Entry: 11.00
